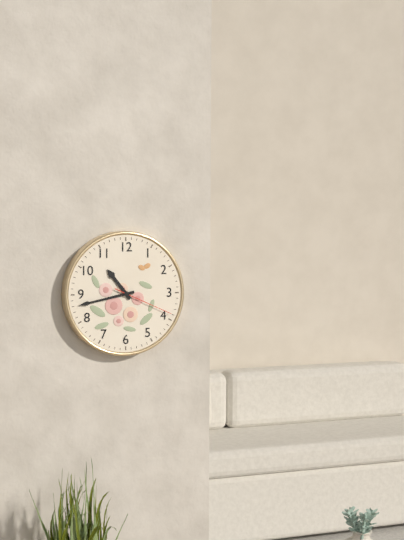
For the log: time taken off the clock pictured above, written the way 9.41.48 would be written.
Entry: 10.43.19
